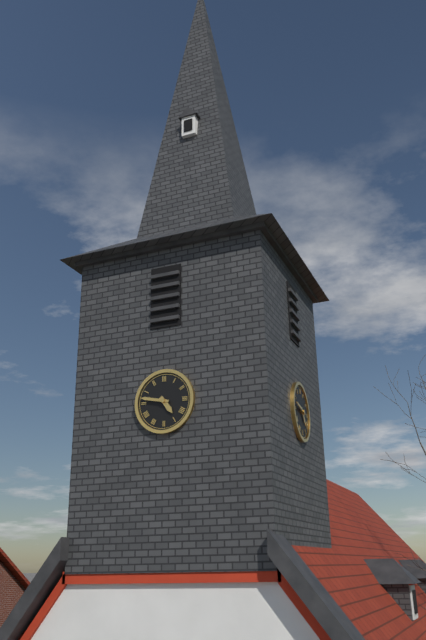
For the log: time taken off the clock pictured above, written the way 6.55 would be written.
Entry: 4.47
